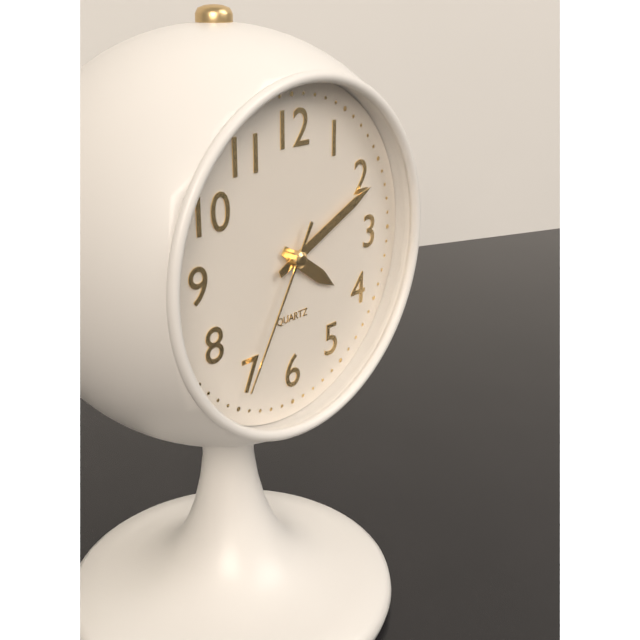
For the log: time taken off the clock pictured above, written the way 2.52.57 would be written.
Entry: 4.11.35
